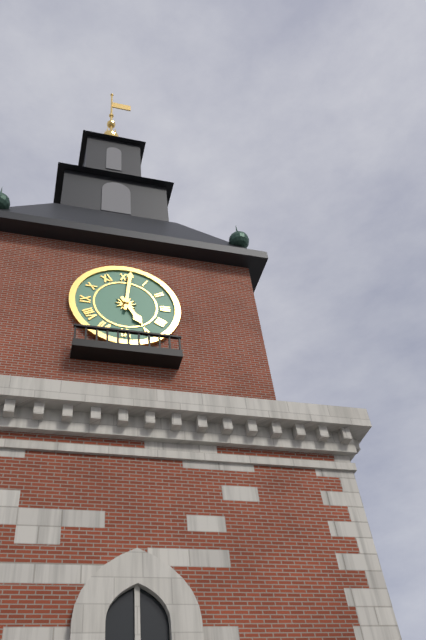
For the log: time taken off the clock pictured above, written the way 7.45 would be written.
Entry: 5.01
